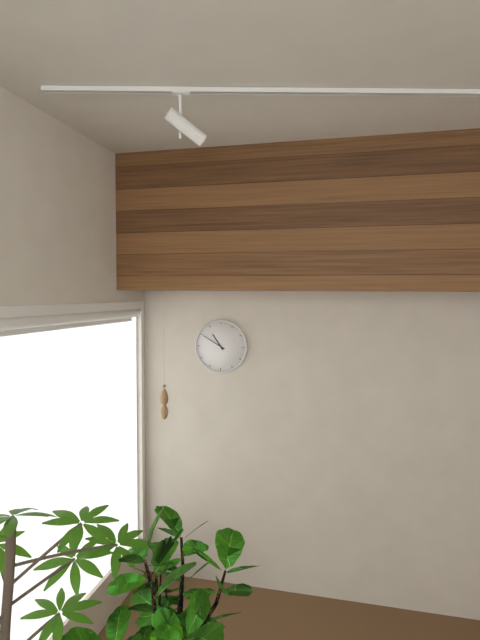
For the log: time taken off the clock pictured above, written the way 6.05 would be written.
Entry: 10.50
